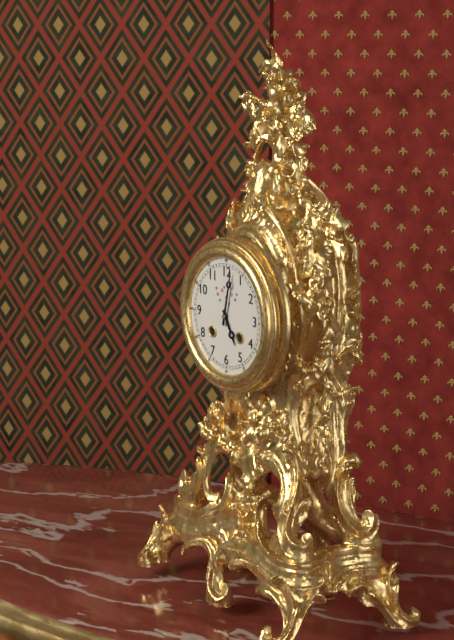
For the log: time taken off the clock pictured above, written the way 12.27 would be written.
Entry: 5.02
